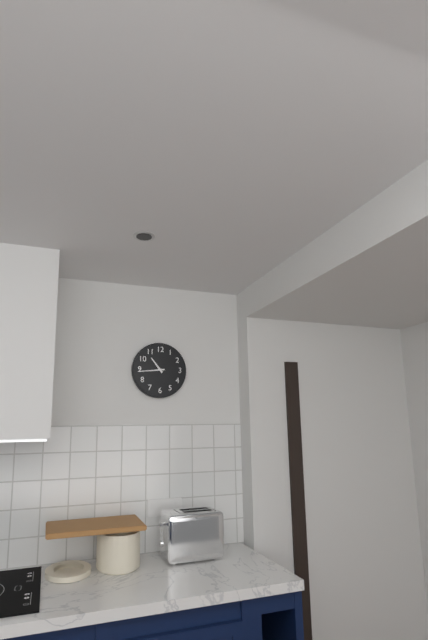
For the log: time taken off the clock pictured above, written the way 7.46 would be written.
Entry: 10.44
